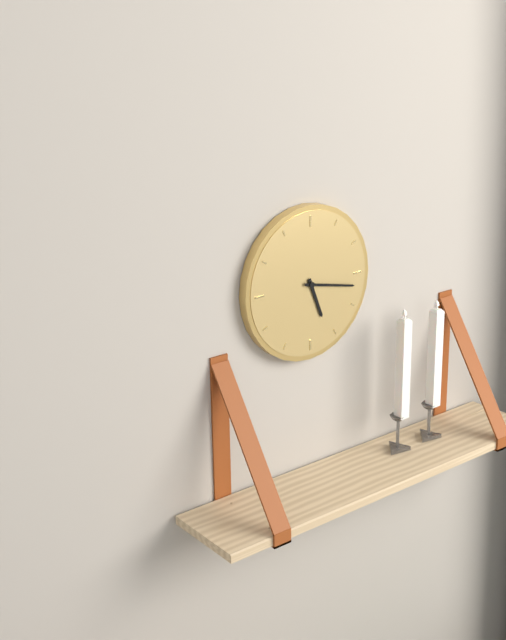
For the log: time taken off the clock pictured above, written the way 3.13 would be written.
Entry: 5.17
